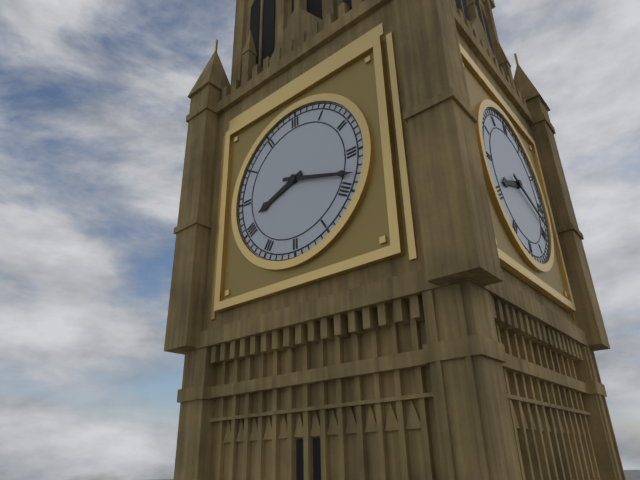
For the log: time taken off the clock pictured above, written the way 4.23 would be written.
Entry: 8.18
